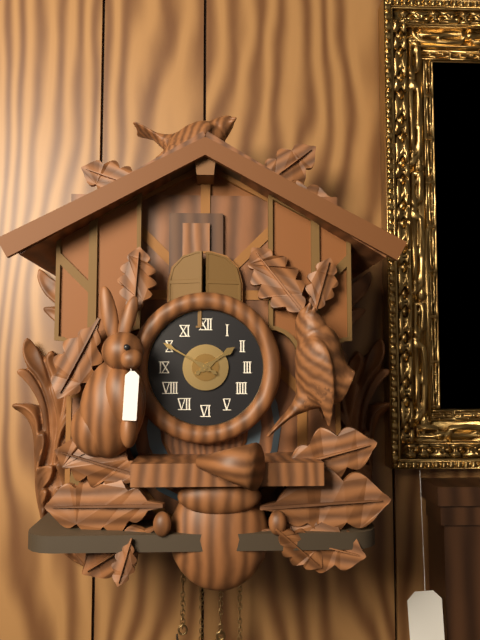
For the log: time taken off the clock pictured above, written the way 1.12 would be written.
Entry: 1.50
